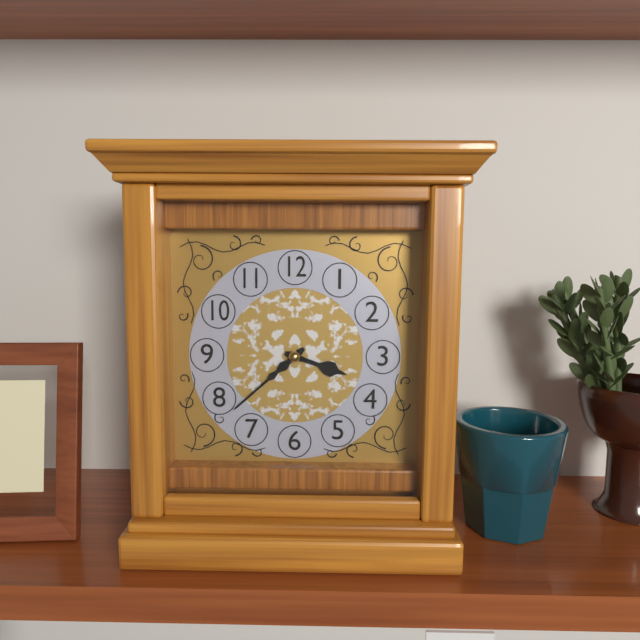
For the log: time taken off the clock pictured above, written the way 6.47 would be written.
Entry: 3.38
